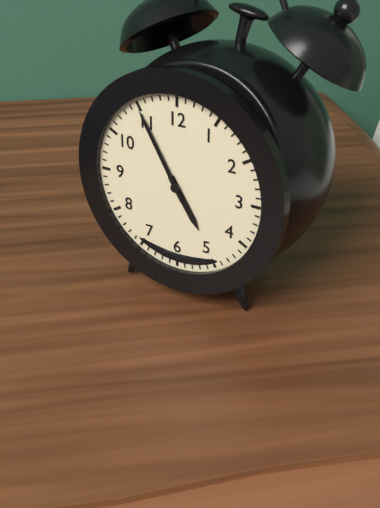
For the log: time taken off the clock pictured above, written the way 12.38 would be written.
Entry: 4.55
